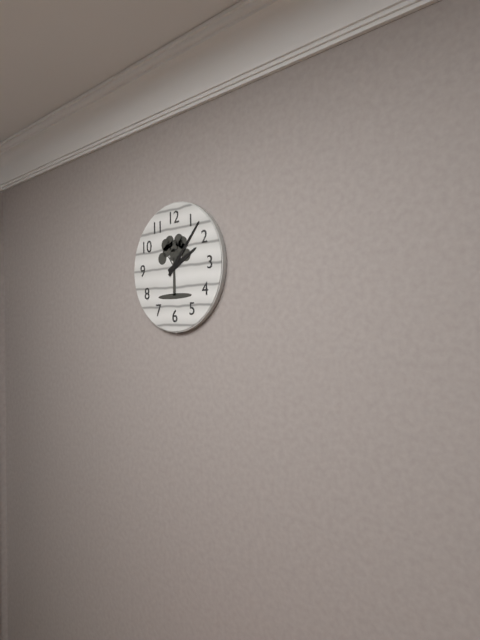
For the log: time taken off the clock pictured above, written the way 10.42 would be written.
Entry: 2.07
